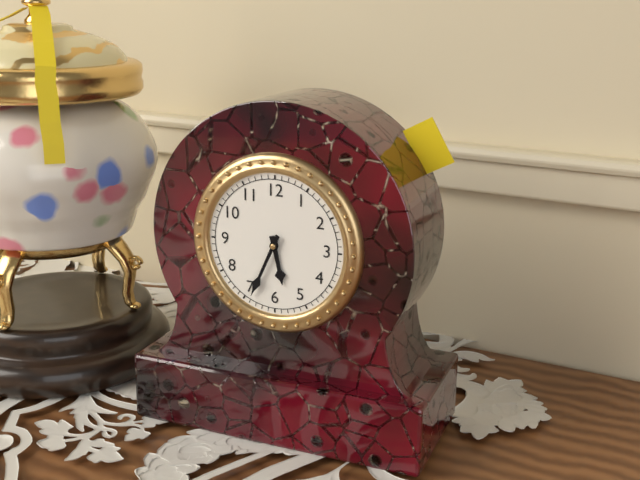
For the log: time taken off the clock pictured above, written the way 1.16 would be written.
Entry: 5.34
